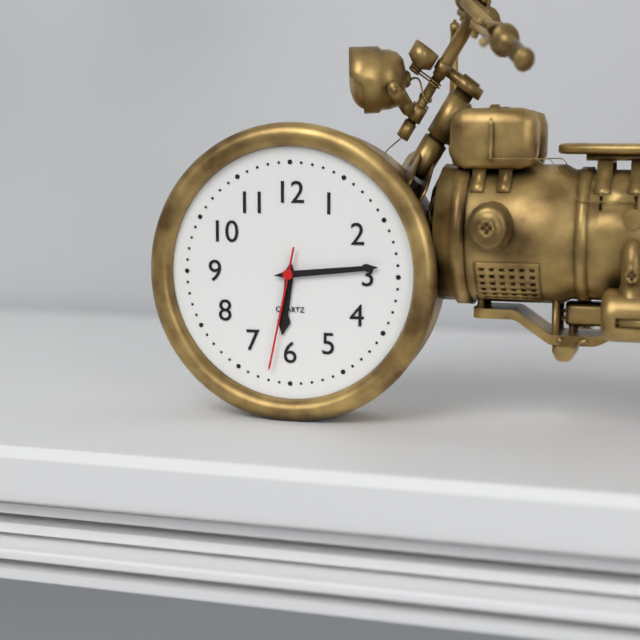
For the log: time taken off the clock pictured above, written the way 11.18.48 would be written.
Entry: 6.14.32
